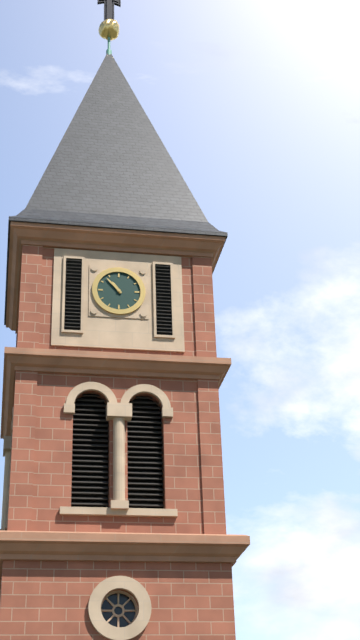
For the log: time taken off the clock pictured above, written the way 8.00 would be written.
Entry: 10.53
